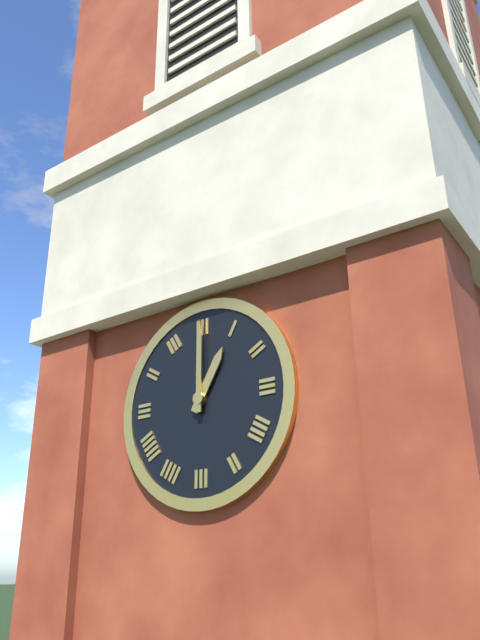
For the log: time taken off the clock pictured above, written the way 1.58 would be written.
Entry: 1.00
